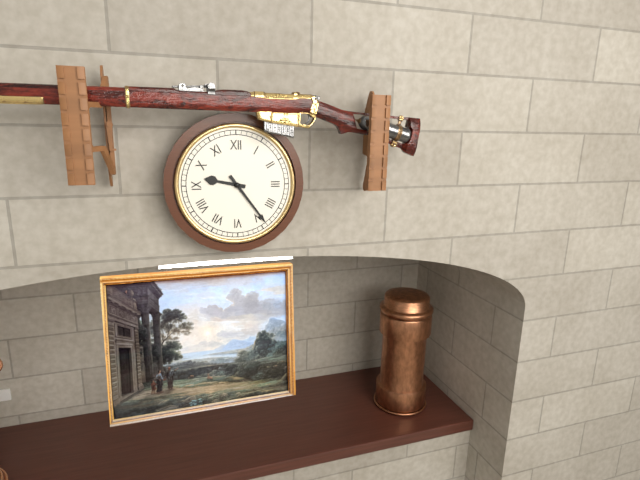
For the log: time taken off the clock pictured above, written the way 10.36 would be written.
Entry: 9.24
